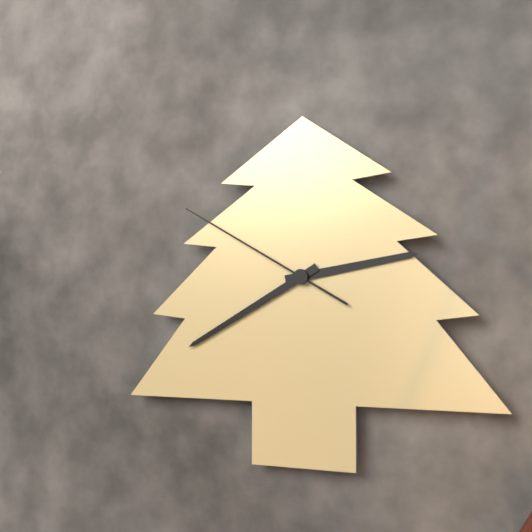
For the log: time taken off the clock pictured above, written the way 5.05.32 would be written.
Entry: 2.40.50
